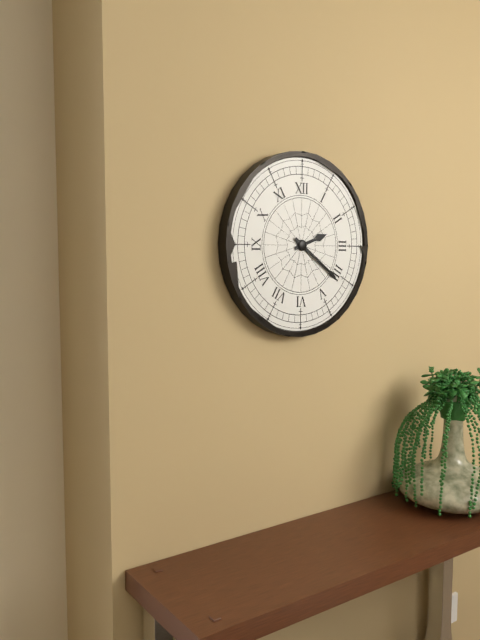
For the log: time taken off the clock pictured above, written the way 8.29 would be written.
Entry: 2.21
